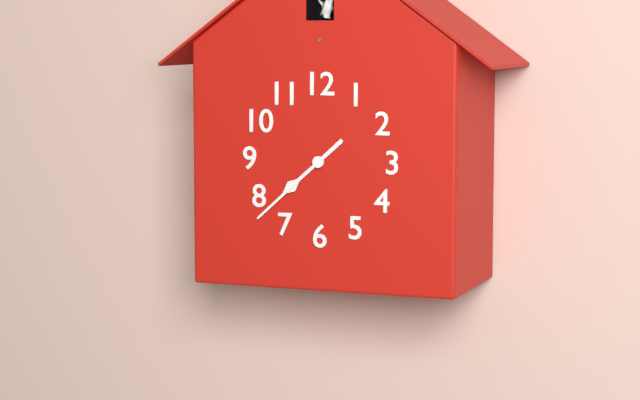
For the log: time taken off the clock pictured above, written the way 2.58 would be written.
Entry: 7.38
